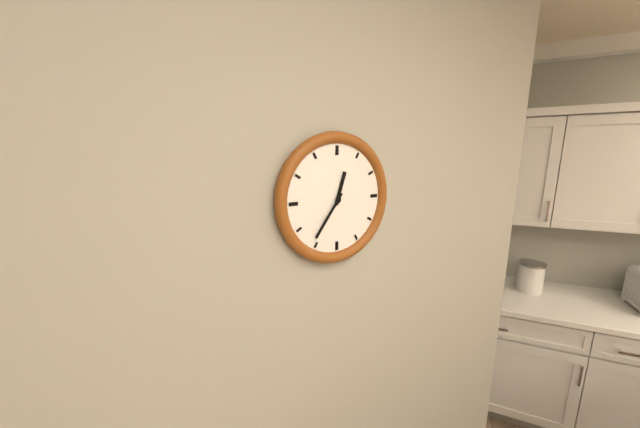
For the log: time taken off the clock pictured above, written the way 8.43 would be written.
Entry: 12.36
